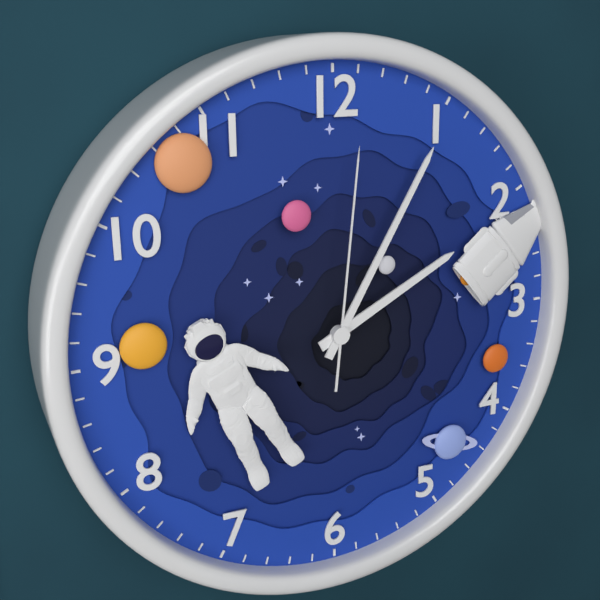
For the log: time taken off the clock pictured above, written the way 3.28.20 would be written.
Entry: 2.05.01
